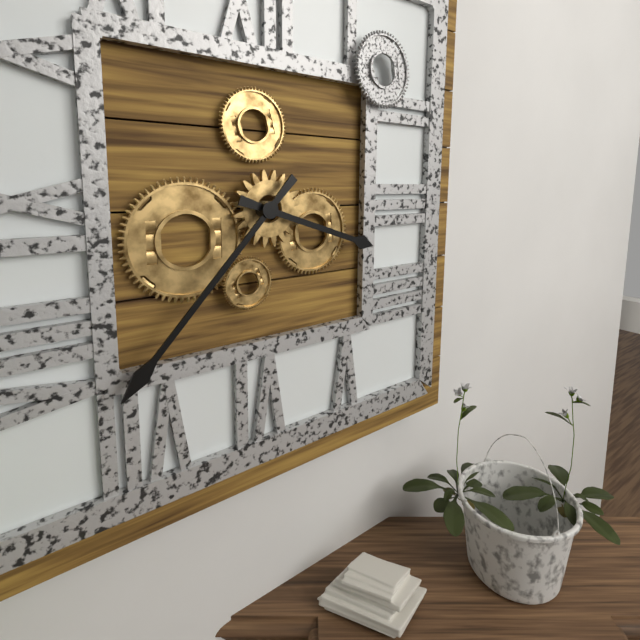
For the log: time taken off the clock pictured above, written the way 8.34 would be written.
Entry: 3.37
